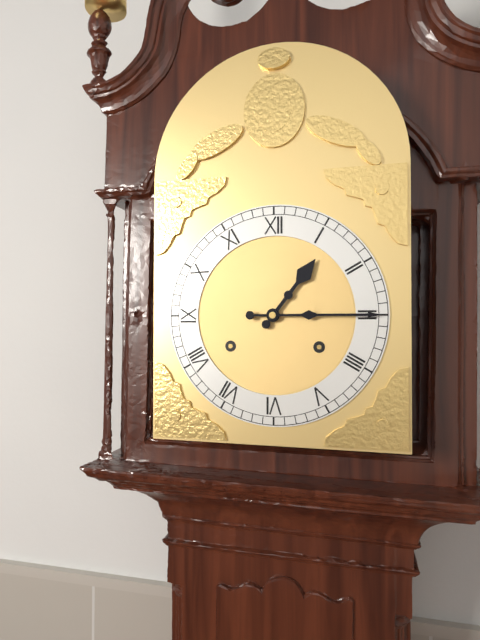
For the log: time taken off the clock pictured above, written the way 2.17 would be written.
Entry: 1.15
